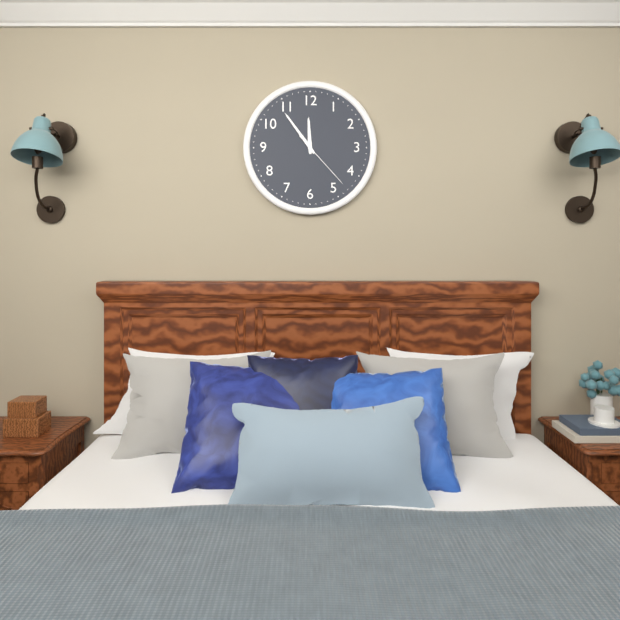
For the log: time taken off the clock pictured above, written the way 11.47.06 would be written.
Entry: 11.54.23
